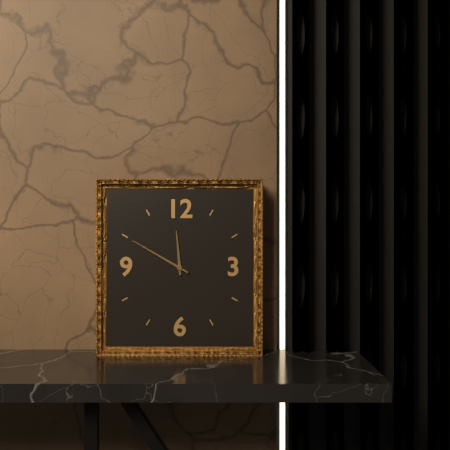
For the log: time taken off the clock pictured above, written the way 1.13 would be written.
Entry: 11.50
